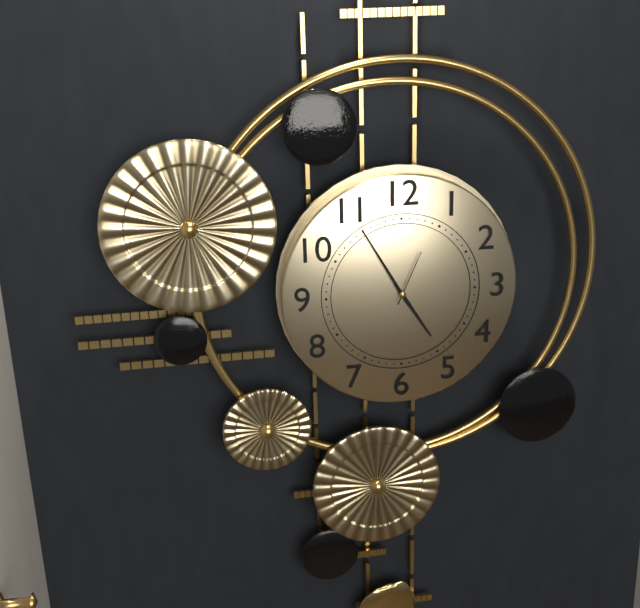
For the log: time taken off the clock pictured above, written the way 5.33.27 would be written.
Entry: 4.55.04
